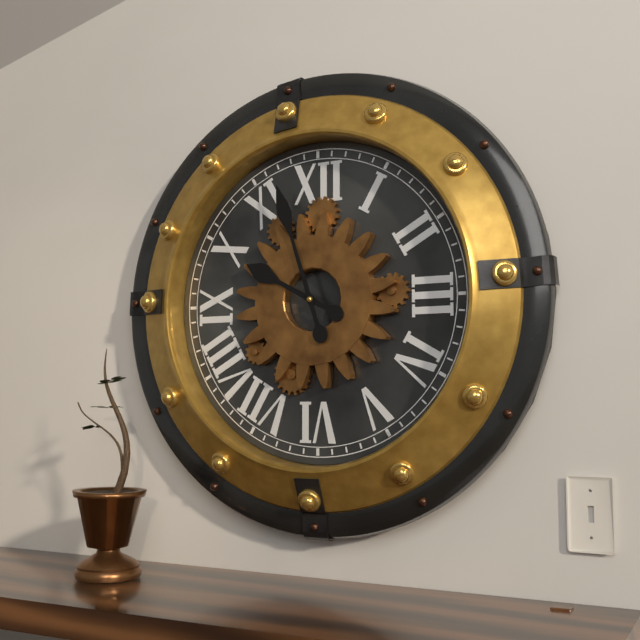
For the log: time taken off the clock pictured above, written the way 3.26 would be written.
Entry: 9.57
